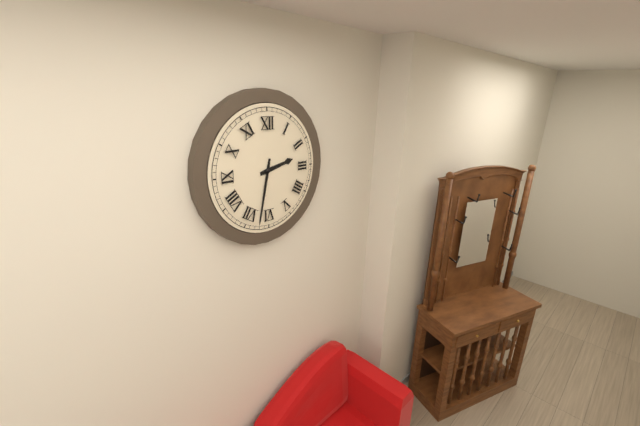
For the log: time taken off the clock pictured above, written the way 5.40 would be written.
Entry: 2.32
